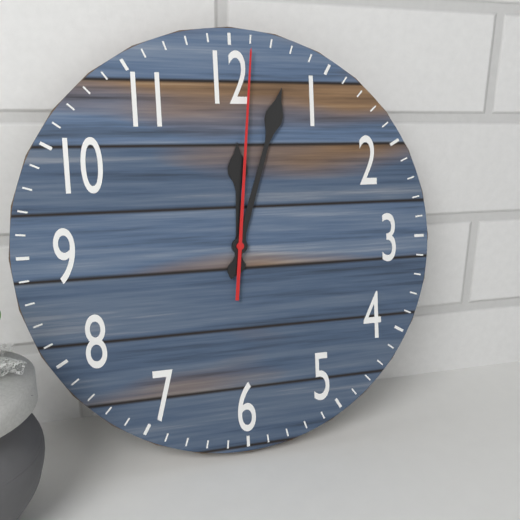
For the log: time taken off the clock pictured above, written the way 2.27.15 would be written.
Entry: 12.03.01
